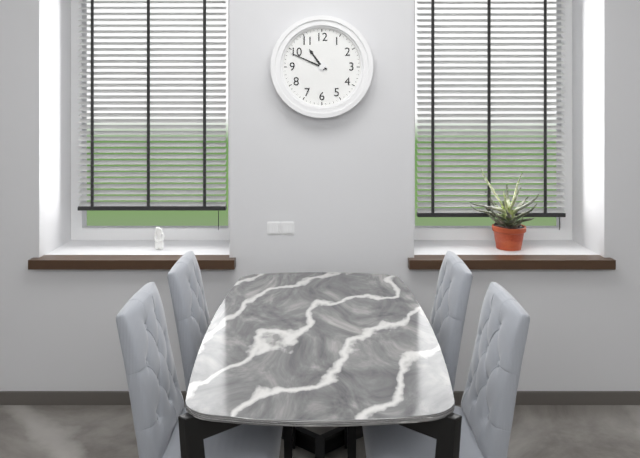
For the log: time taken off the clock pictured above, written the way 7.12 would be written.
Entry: 10.49
